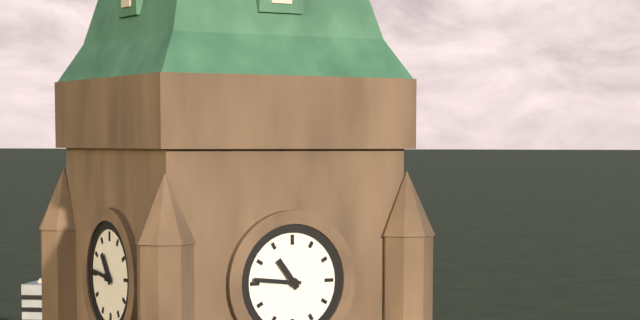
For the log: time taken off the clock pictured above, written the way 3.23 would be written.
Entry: 10.46
